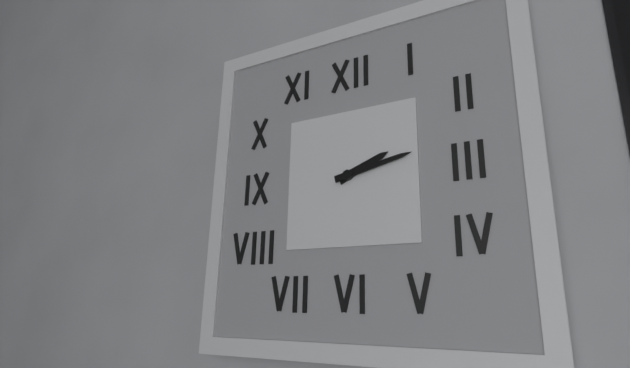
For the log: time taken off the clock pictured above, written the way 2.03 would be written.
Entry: 2.13
